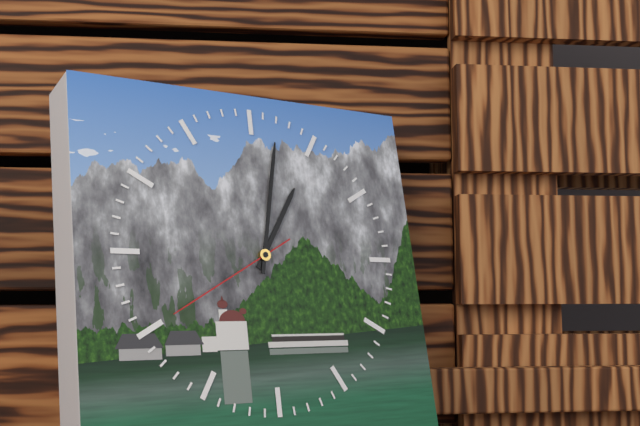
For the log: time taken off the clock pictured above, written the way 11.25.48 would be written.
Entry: 1.02.40
